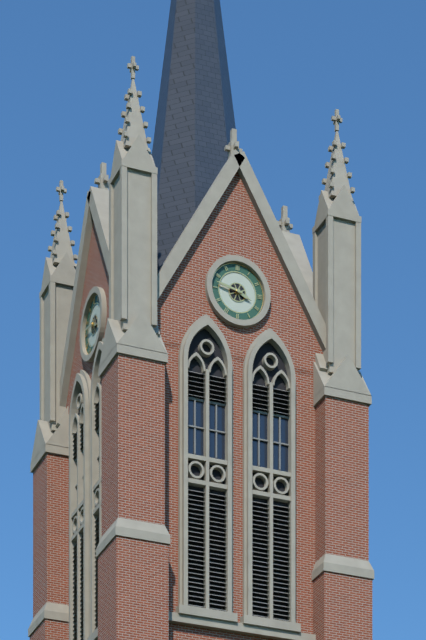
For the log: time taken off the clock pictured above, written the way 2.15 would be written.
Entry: 3.47
